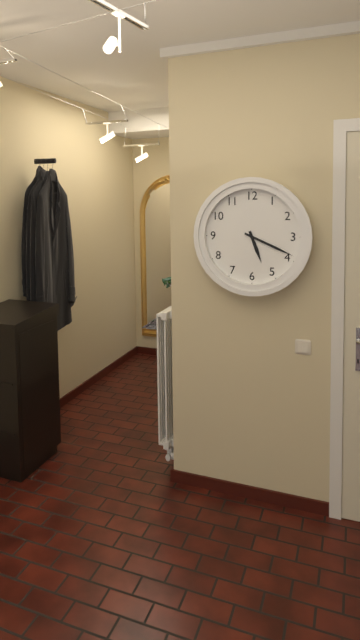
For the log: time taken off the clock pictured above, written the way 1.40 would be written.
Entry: 5.19
